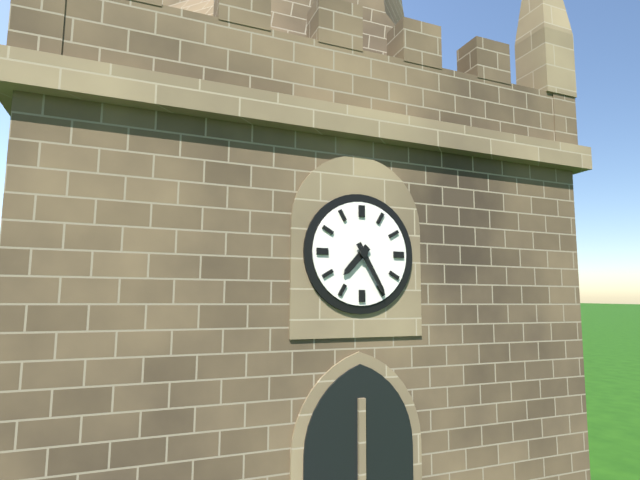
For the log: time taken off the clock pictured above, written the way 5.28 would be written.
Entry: 7.25
